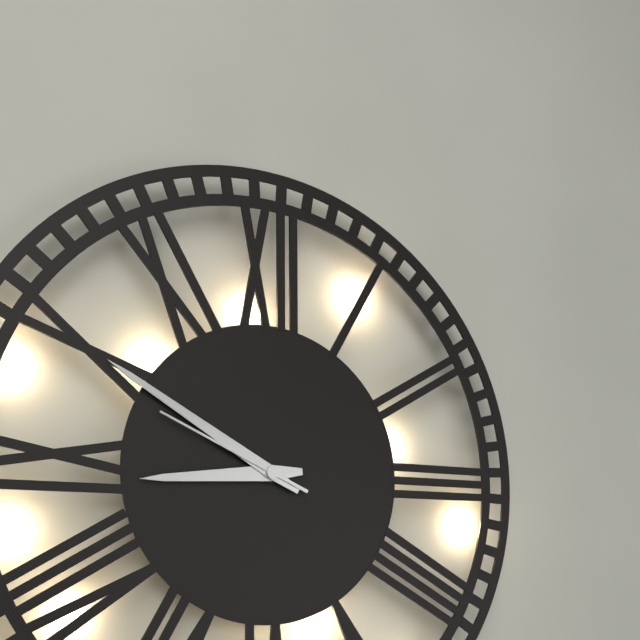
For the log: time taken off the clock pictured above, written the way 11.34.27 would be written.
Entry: 8.50.49
